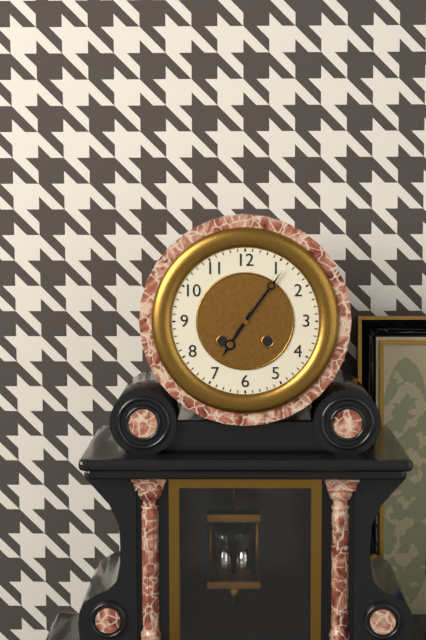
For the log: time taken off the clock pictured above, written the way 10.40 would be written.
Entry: 7.06
